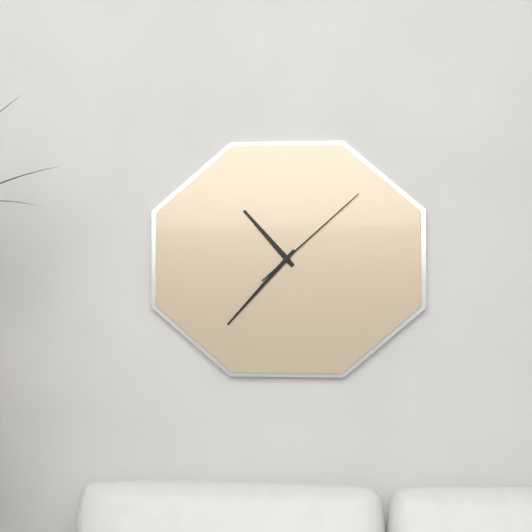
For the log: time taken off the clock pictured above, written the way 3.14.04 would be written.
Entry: 10.37.08
